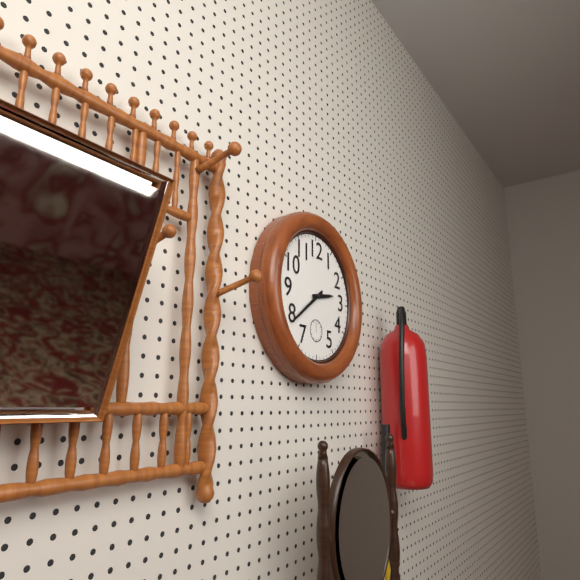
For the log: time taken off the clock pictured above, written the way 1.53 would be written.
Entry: 2.39
